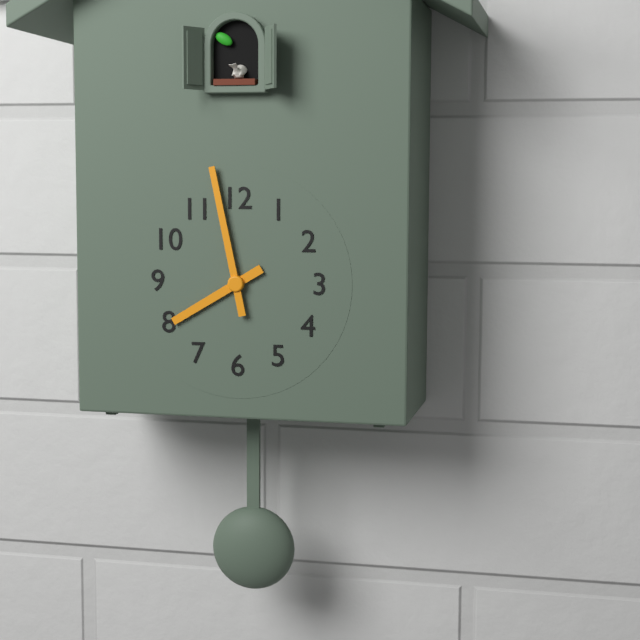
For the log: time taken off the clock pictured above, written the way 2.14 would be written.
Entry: 7.58
